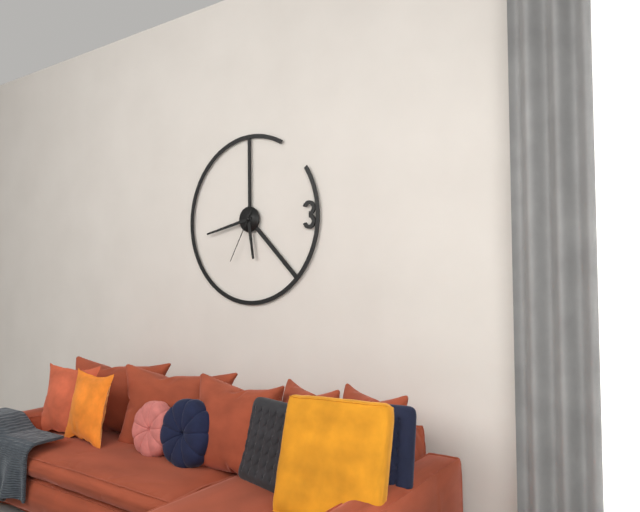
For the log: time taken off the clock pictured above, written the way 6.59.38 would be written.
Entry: 5.43.35
